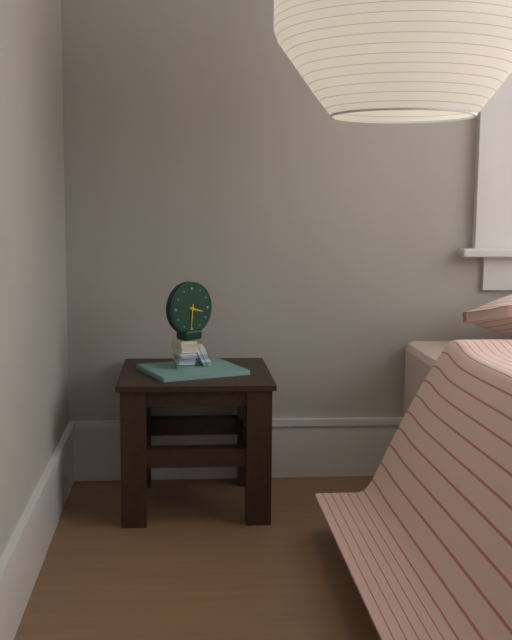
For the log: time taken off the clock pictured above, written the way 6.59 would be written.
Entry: 3.31
